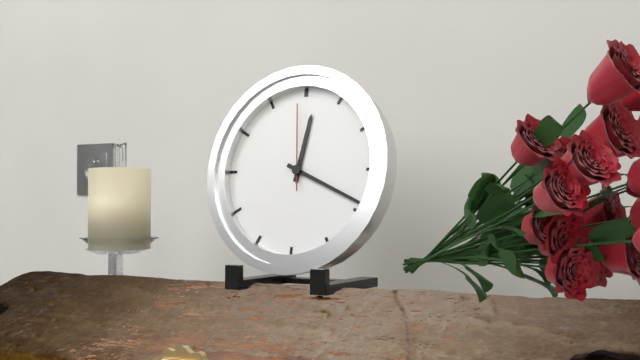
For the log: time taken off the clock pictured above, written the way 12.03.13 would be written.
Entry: 12.19.59
